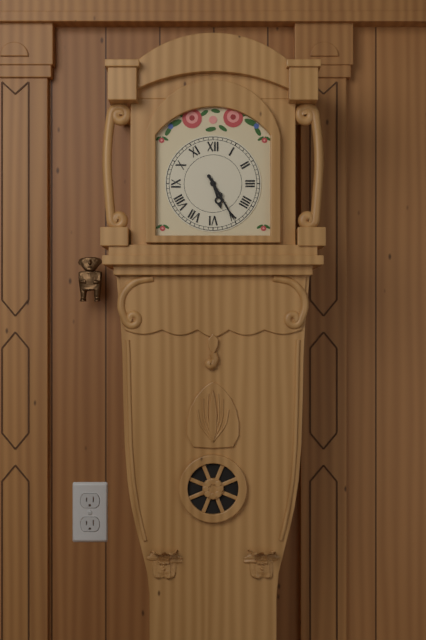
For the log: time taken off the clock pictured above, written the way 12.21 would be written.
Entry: 5.25
